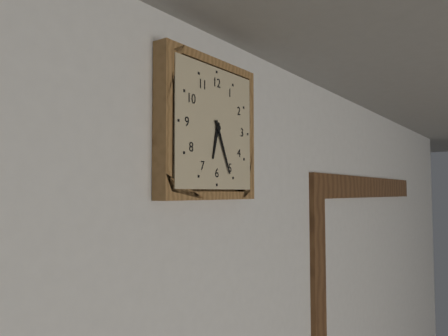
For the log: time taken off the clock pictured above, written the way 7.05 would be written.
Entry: 6.26
